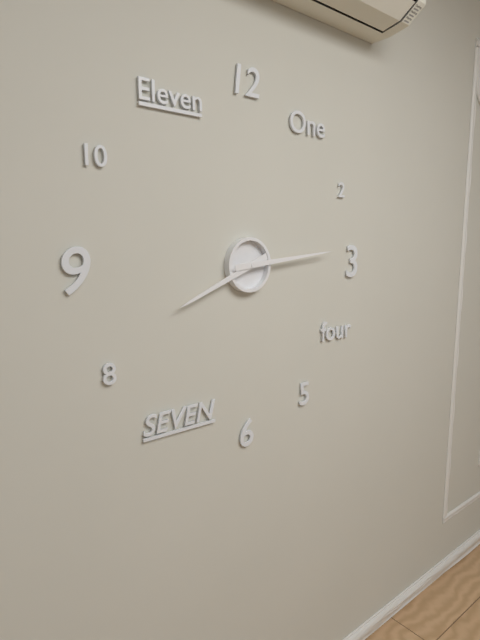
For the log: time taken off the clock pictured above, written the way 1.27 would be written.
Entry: 8.14
